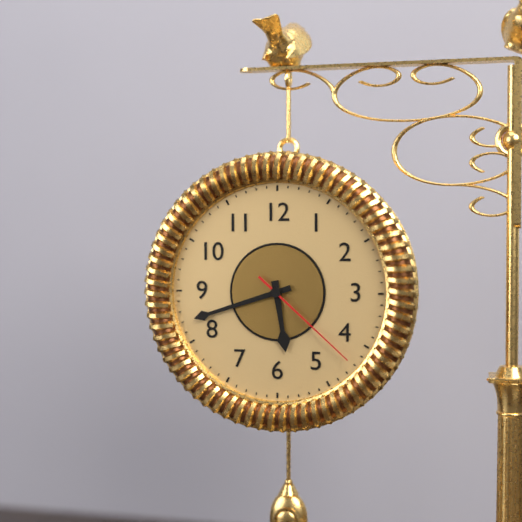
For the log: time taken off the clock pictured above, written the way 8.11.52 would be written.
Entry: 5.42.22
